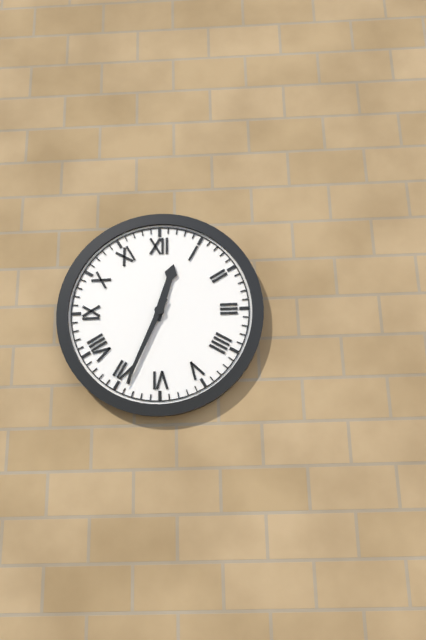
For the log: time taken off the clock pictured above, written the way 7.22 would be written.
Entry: 12.34
